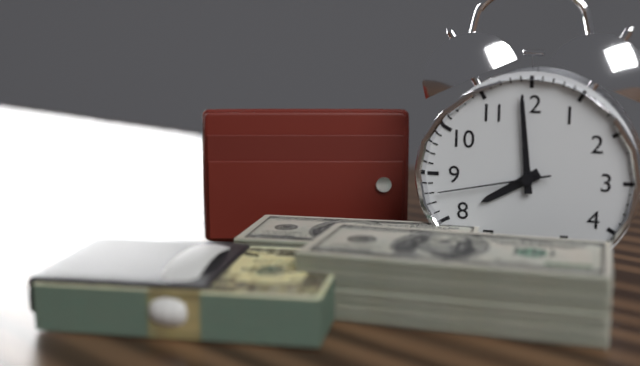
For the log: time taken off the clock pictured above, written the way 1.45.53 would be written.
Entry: 7.59.43
